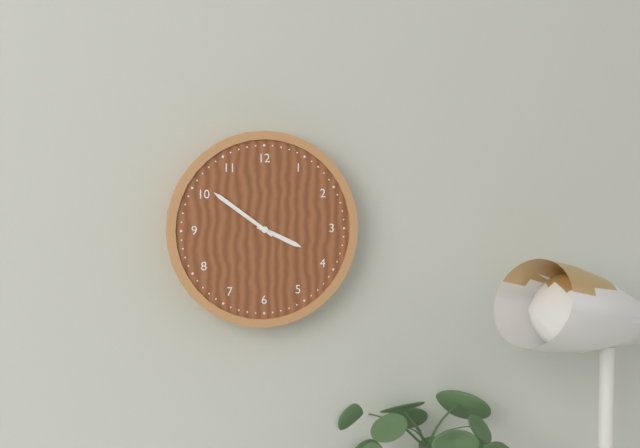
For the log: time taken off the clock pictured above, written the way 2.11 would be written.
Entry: 3.51
